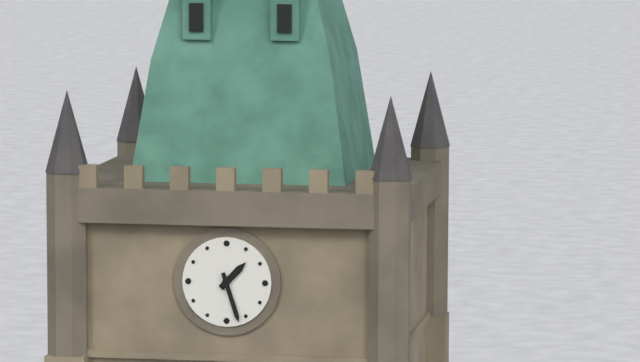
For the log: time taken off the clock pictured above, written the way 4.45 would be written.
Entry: 1.27
